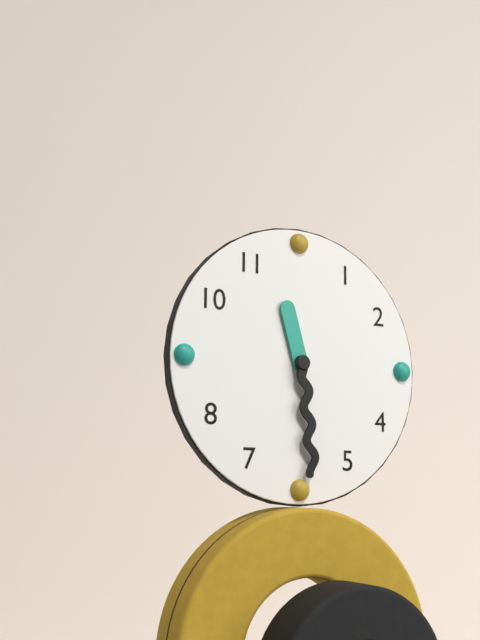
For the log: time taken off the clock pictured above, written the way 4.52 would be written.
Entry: 11.29
